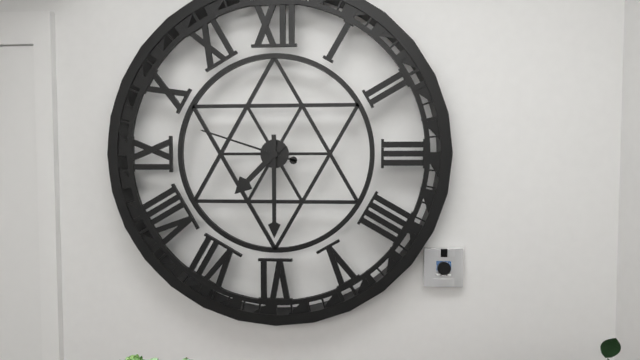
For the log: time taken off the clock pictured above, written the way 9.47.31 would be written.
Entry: 7.30.48
